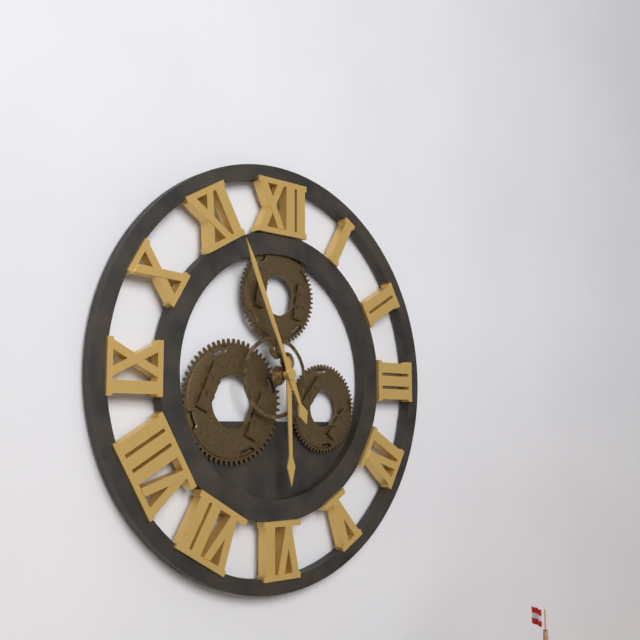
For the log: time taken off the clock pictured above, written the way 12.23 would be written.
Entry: 5.56
